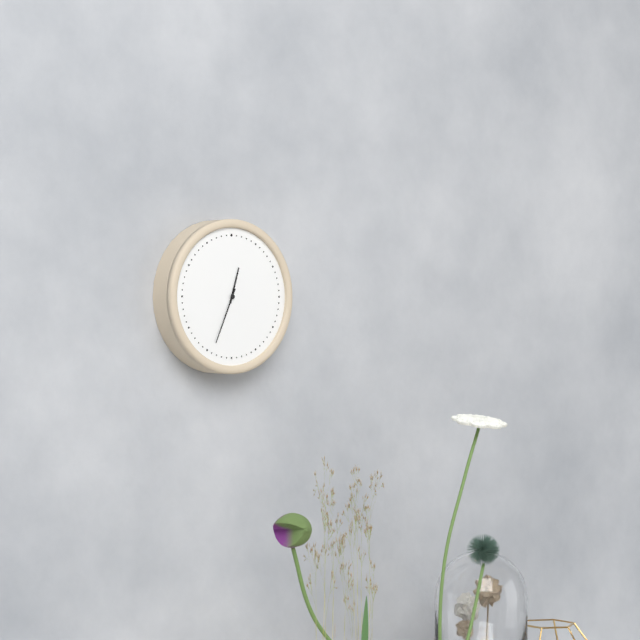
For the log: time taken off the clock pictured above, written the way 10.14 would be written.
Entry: 12.34
